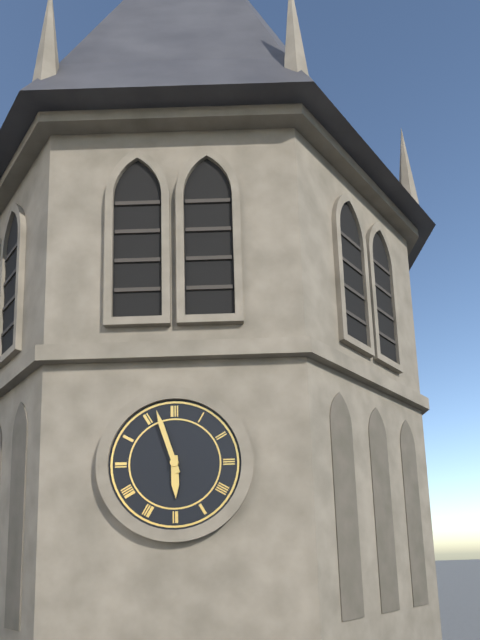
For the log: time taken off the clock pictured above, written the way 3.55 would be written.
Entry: 5.57
